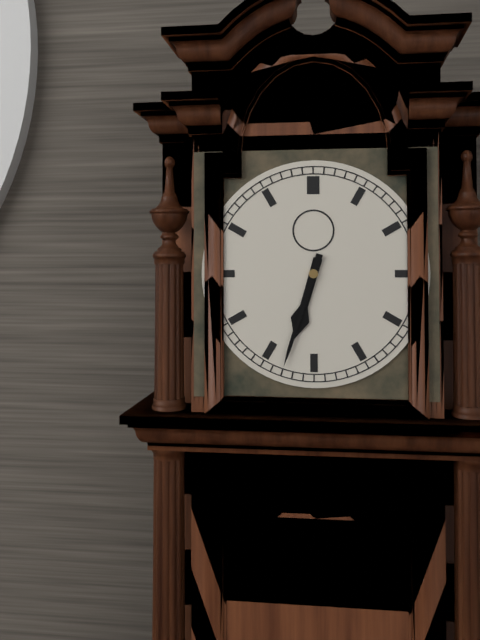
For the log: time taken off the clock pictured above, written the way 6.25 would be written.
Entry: 6.33
